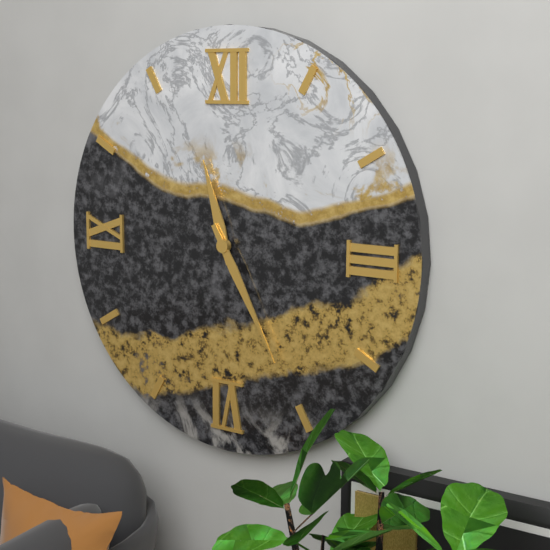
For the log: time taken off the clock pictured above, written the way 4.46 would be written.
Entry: 11.25
